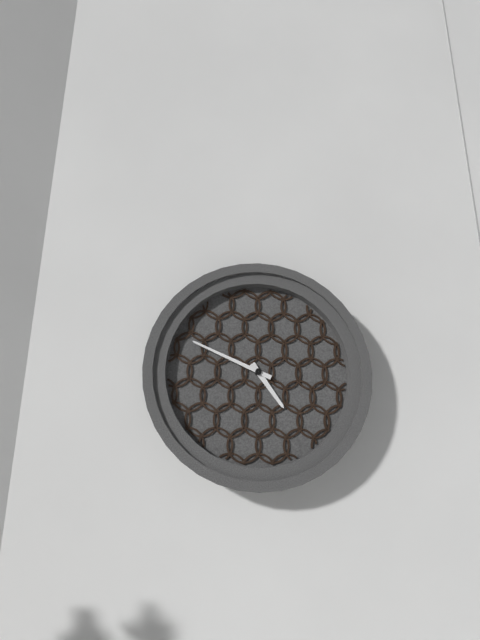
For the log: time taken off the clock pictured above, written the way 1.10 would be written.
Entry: 4.49
